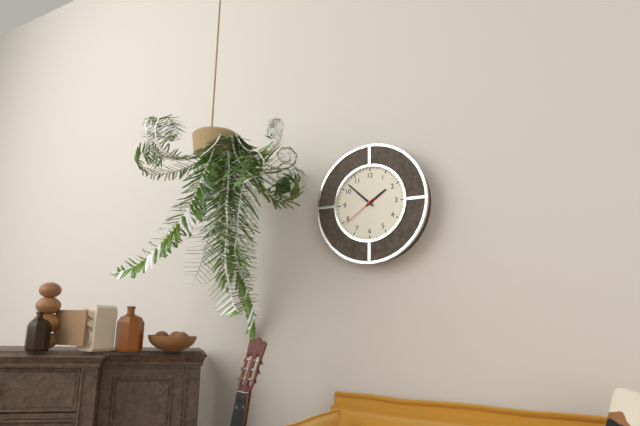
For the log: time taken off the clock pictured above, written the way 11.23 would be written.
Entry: 1.52
